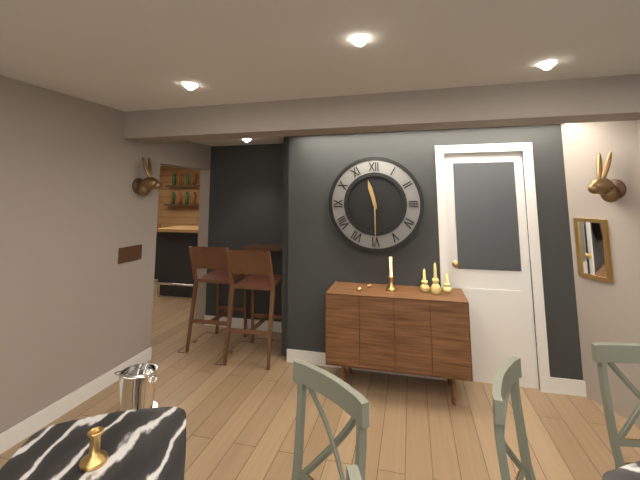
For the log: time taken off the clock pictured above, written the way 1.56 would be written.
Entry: 11.30
